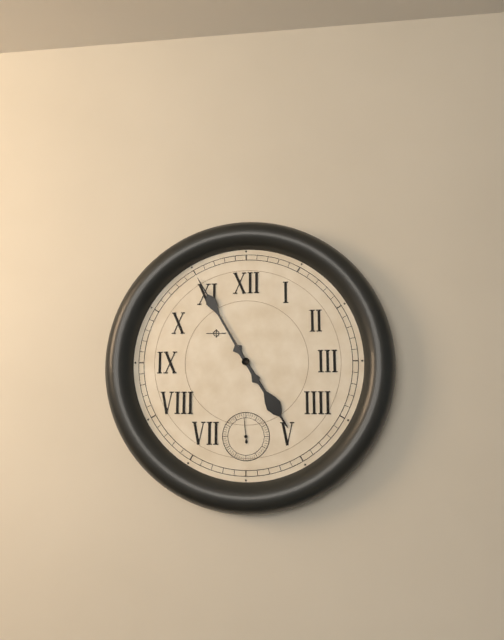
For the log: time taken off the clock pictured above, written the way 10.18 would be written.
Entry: 4.55
